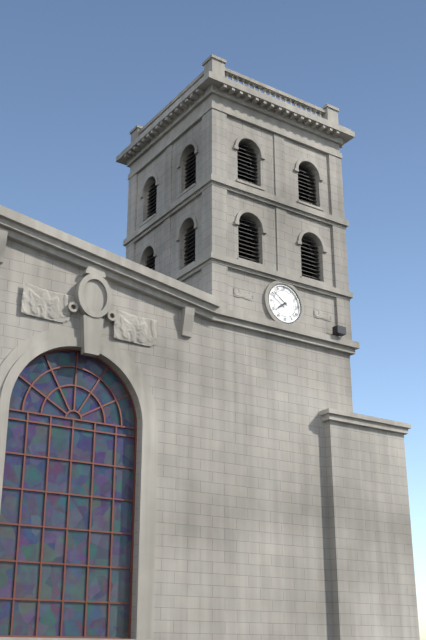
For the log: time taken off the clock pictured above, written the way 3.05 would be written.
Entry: 7.51
